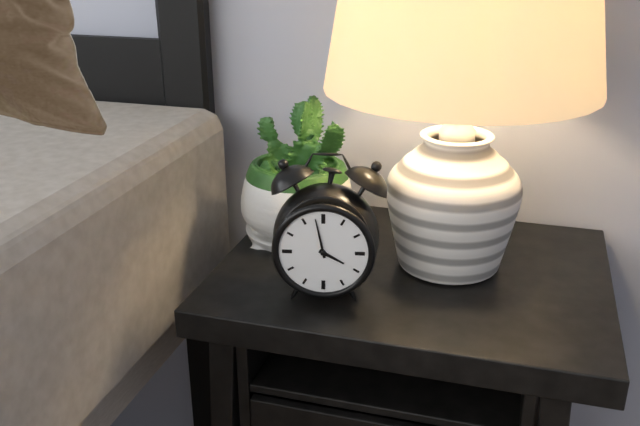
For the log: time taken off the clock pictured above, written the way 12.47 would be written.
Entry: 3.58
